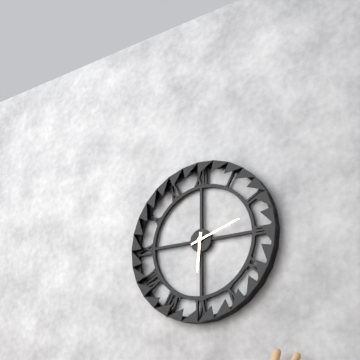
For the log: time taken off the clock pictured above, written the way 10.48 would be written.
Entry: 6.12
